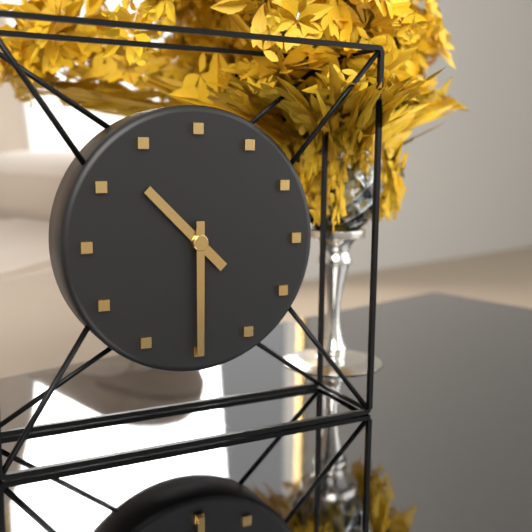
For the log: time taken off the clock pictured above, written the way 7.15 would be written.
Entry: 10.30
